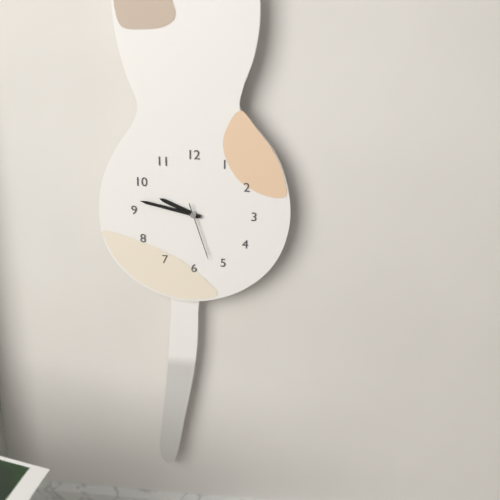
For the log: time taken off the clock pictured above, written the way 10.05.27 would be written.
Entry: 9.47.27
